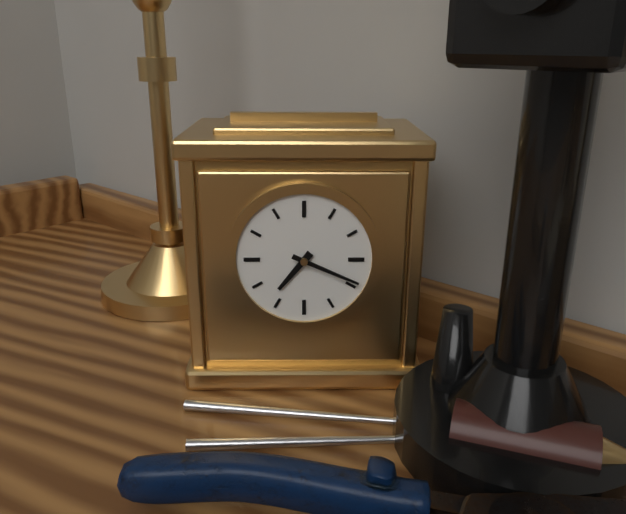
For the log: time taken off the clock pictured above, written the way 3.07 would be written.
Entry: 7.19
